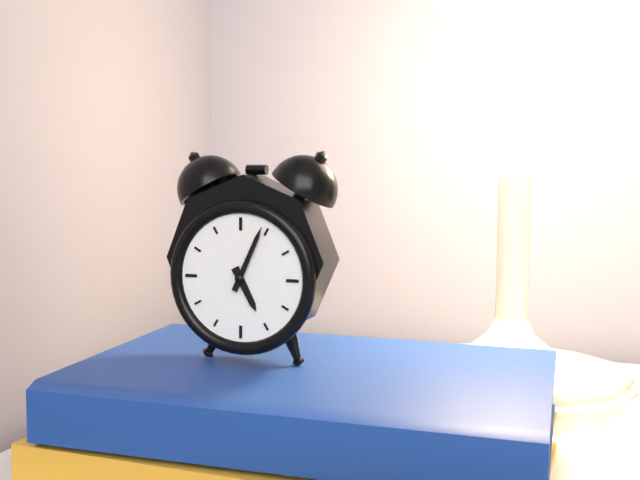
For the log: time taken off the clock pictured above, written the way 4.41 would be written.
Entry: 5.04
